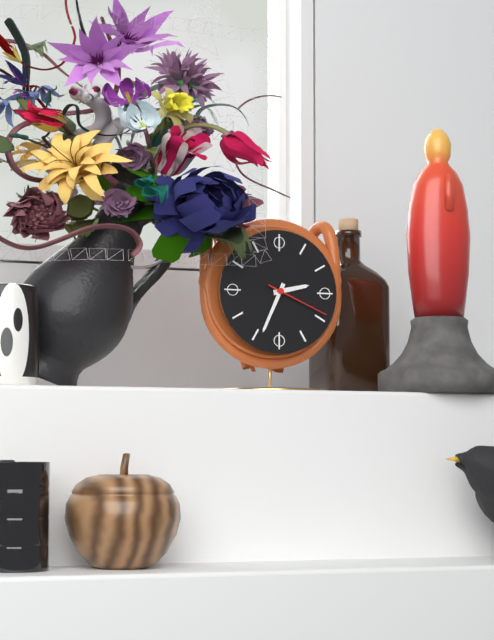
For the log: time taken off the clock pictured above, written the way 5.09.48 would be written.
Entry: 2.34.19
